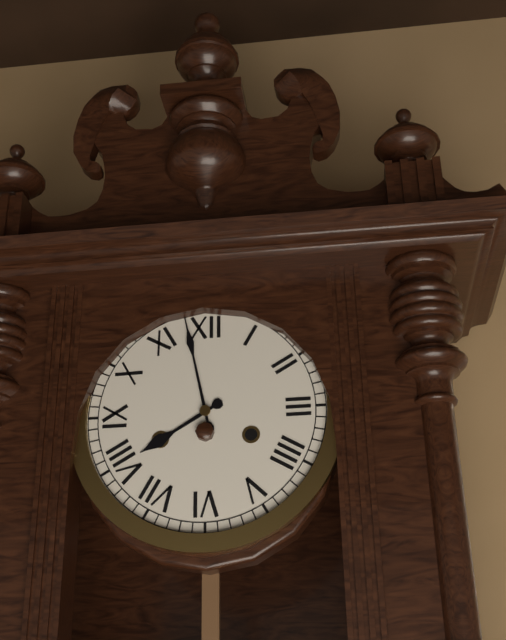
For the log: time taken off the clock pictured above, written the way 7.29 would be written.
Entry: 7.58
